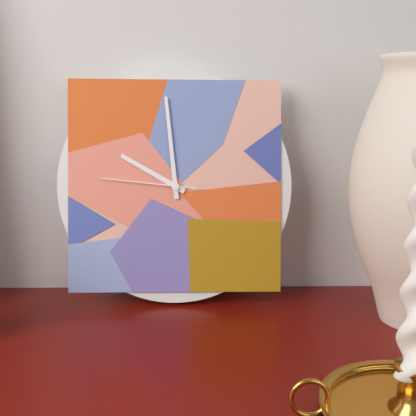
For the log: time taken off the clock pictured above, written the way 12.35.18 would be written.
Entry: 9.59.46
